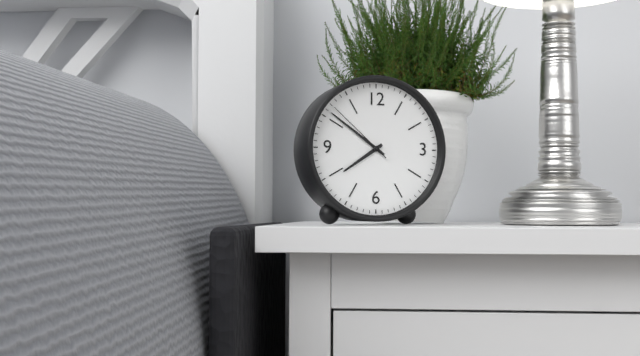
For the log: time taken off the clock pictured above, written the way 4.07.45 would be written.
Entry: 7.51.52
